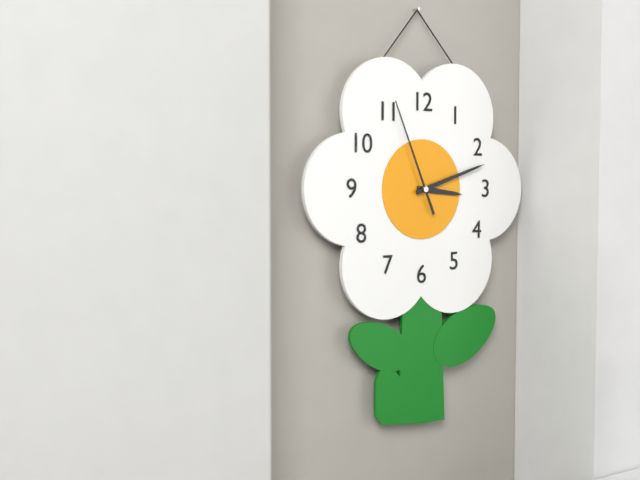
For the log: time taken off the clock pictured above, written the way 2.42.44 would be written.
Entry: 3.12.56
